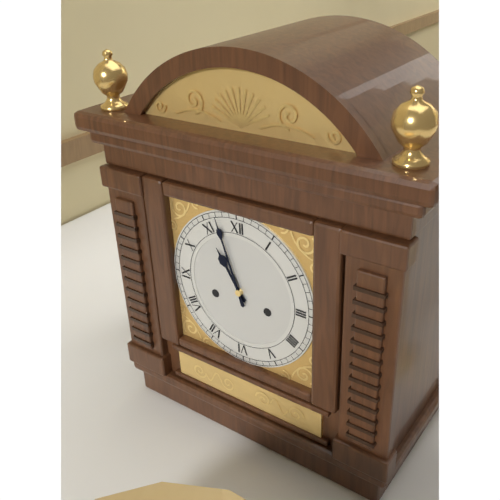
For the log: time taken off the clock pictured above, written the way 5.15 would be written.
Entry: 10.57
